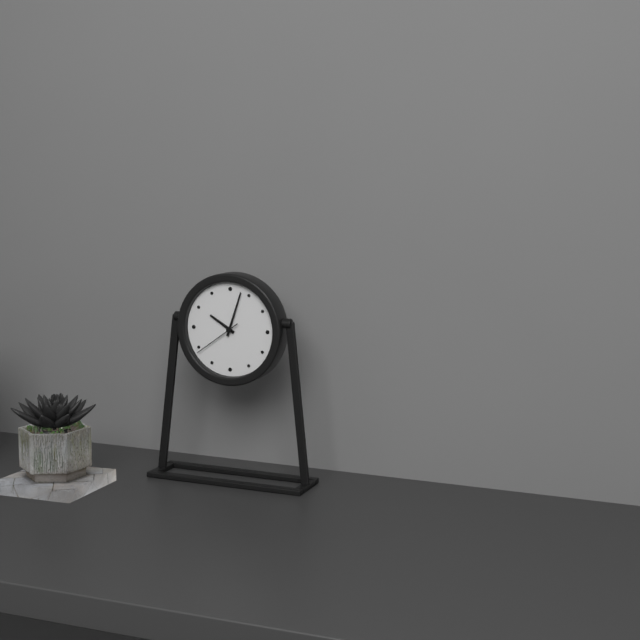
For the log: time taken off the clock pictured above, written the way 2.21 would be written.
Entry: 10.03
